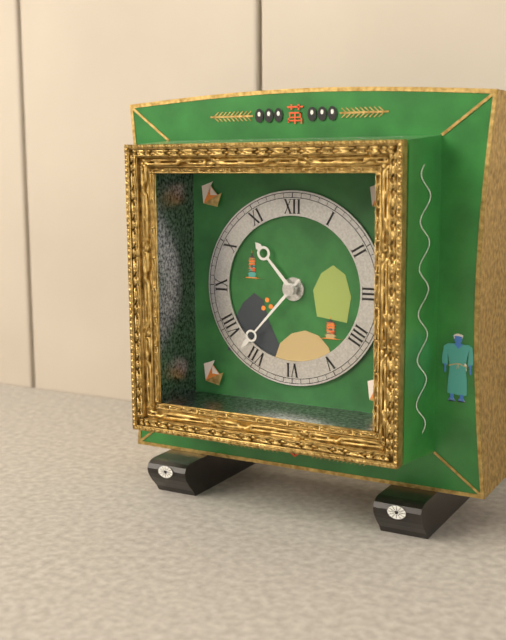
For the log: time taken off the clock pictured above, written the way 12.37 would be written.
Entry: 10.37
